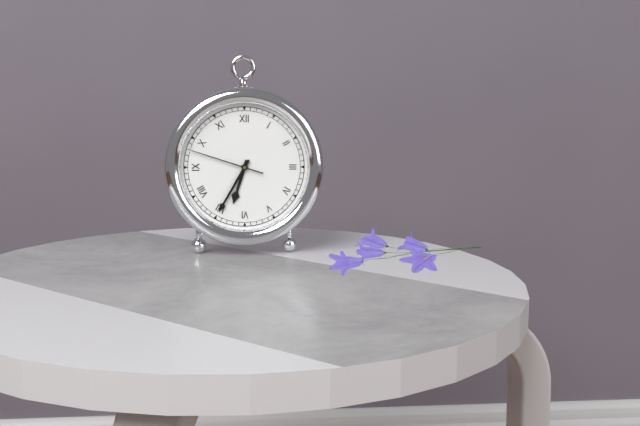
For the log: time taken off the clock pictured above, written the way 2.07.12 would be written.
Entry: 6.35.48
